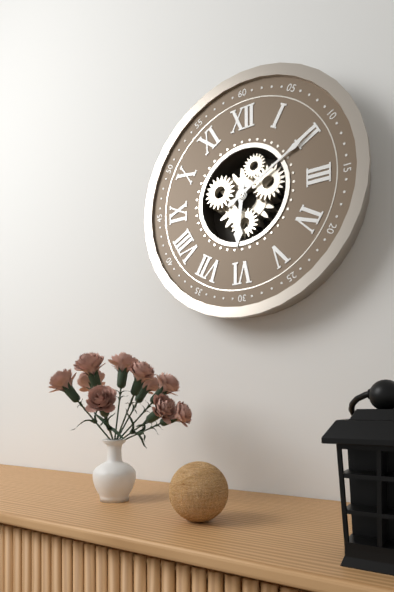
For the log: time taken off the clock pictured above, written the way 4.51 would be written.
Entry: 6.10
